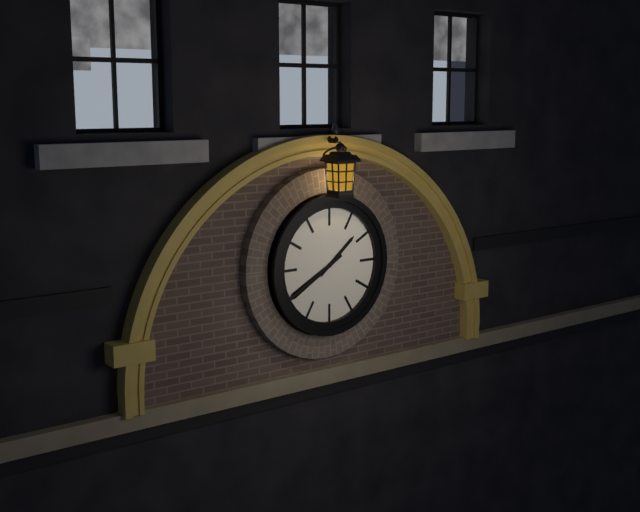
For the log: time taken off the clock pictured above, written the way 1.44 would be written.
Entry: 1.40
